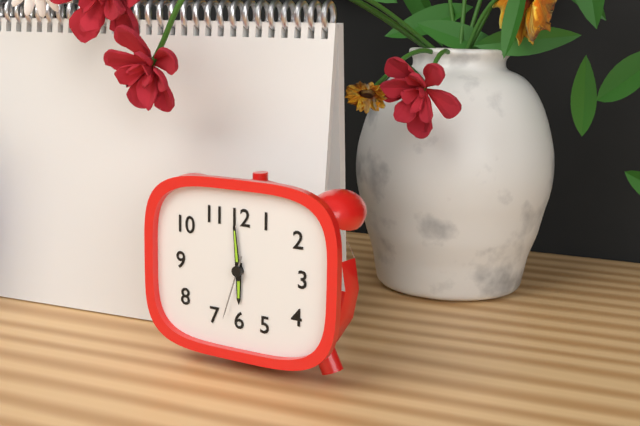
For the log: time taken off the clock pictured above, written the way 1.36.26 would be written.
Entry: 5.59.33
